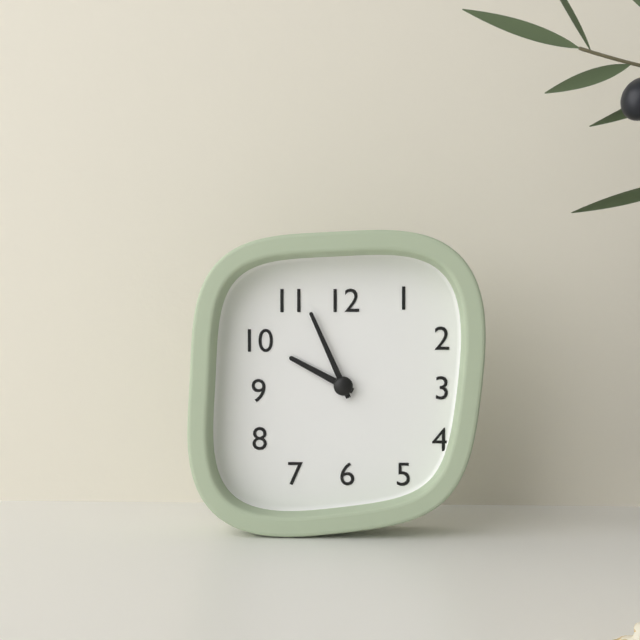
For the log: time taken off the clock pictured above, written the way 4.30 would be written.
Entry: 9.56
